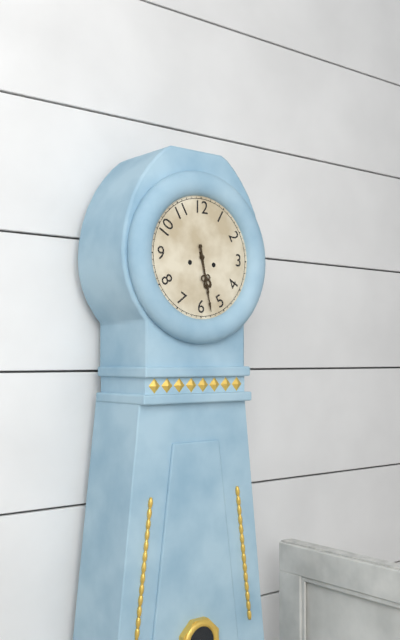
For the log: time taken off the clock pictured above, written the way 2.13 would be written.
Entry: 5.28
